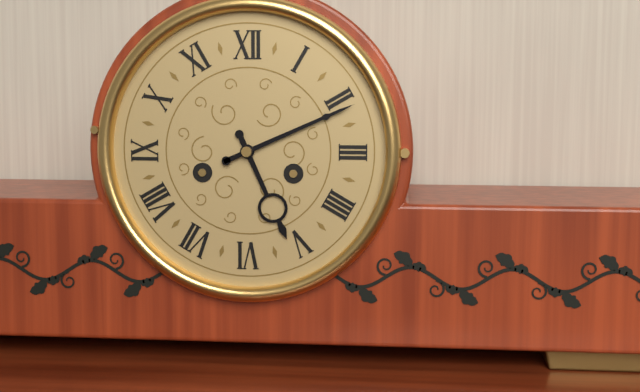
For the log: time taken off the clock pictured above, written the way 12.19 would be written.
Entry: 5.11
